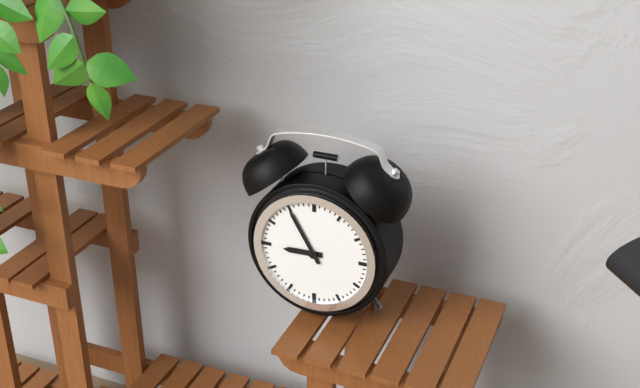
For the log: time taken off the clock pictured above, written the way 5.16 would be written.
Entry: 8.55
